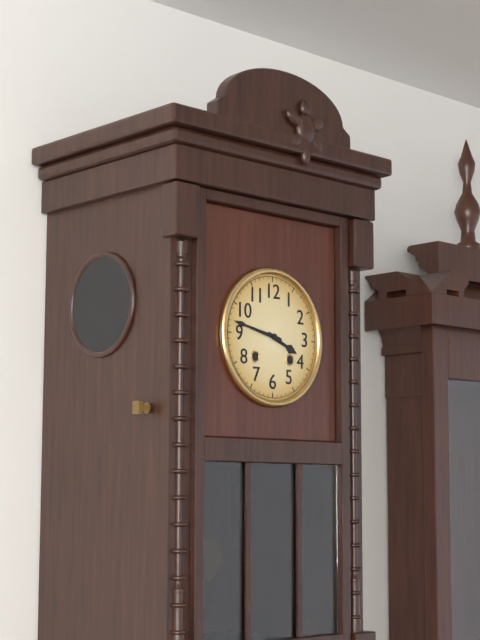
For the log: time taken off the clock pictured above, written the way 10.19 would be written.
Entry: 3.47
